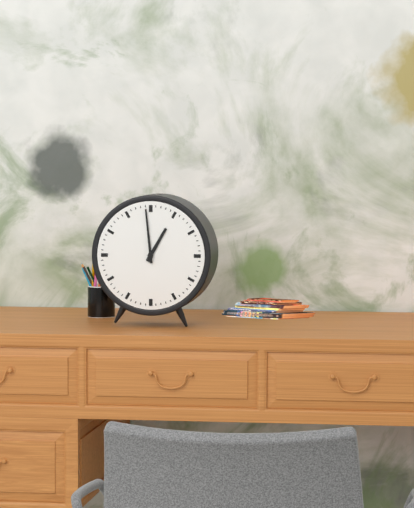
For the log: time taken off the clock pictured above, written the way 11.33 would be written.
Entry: 12.59
